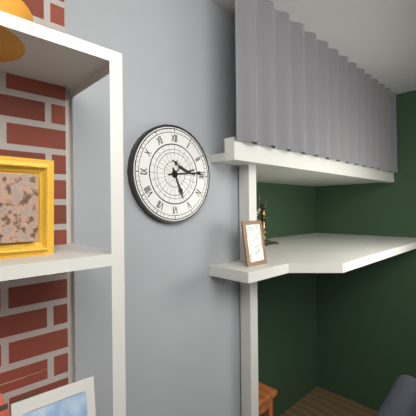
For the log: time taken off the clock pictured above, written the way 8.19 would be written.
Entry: 5.14
